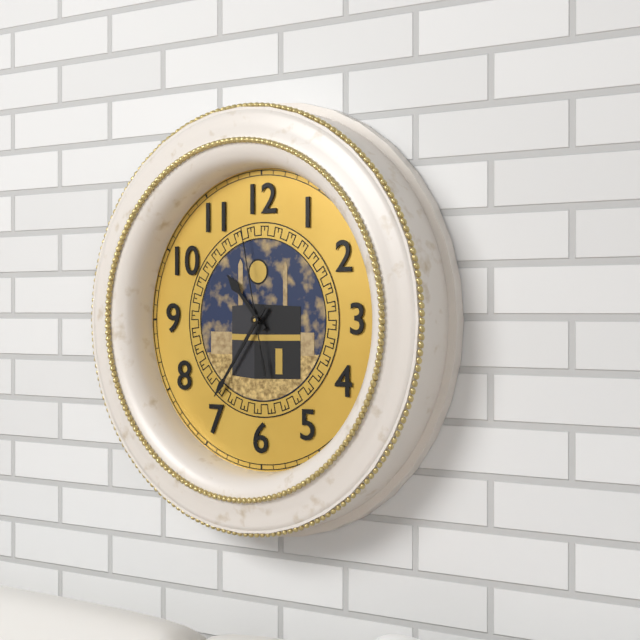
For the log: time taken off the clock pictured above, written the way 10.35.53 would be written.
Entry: 10.36.58
